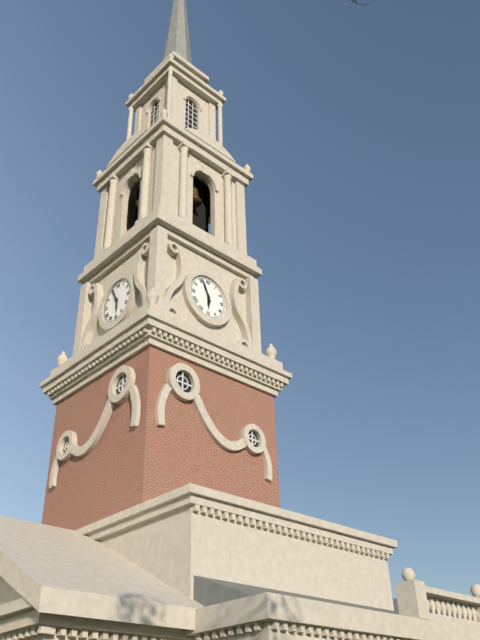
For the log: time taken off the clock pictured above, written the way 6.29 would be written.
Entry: 5.56
